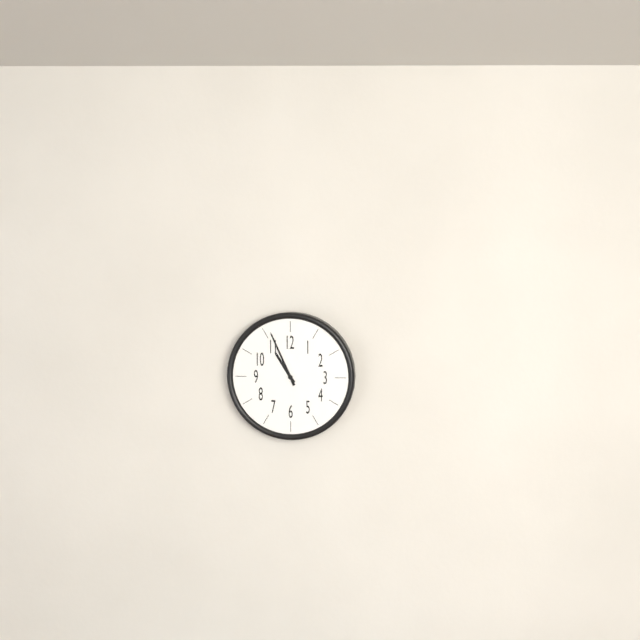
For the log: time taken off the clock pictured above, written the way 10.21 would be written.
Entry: 10.56
